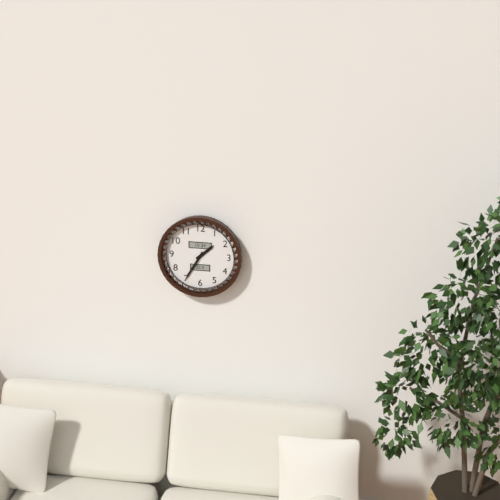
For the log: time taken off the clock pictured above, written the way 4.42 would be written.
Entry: 1.35
